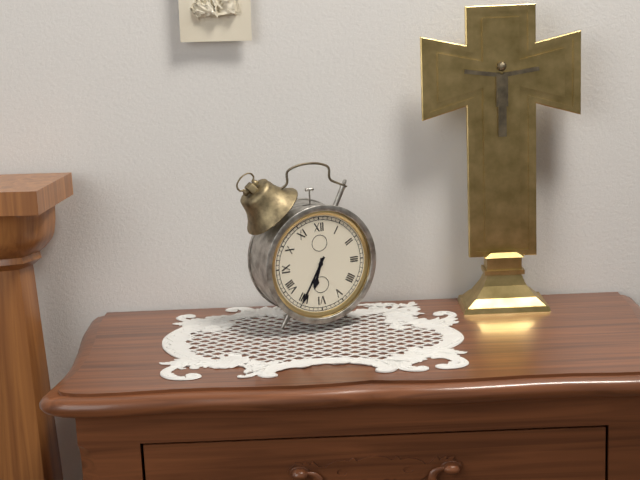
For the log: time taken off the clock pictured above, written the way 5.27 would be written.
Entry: 6.35
